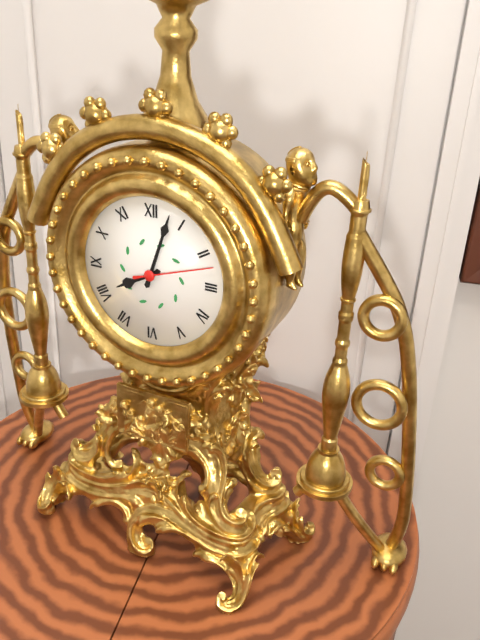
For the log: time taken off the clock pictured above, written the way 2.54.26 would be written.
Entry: 8.03.12
